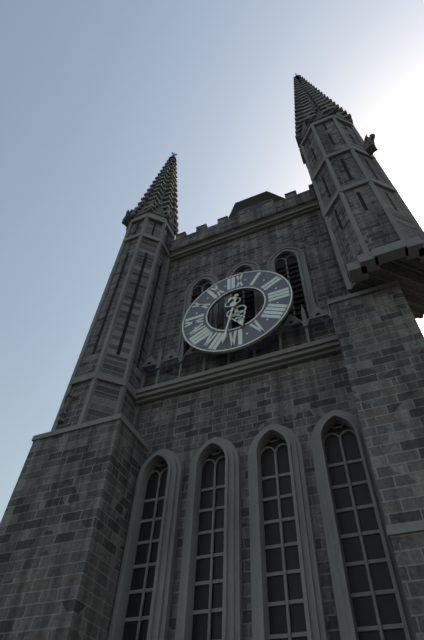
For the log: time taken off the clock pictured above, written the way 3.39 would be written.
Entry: 5.32
